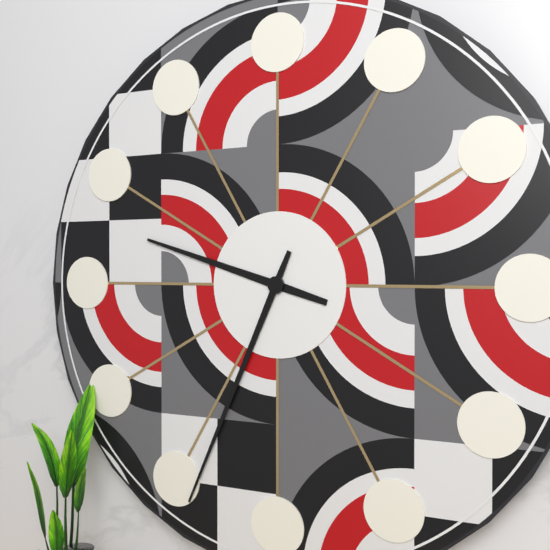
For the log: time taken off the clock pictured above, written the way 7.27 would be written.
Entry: 9.34
